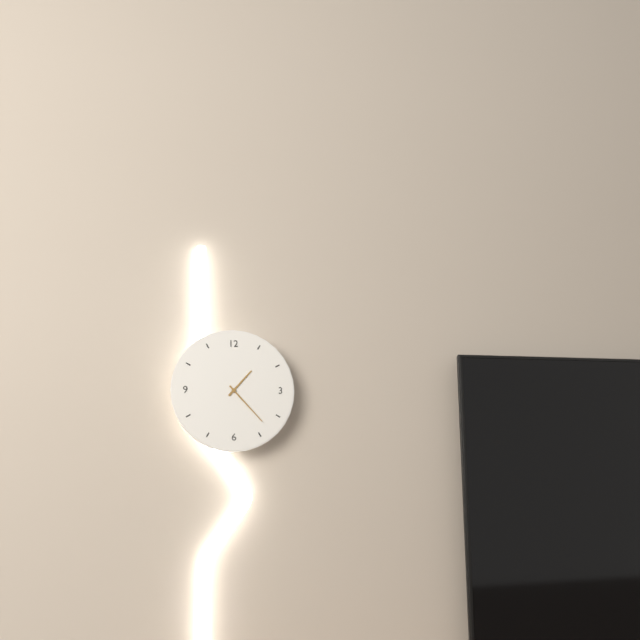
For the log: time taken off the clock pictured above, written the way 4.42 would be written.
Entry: 1.23
